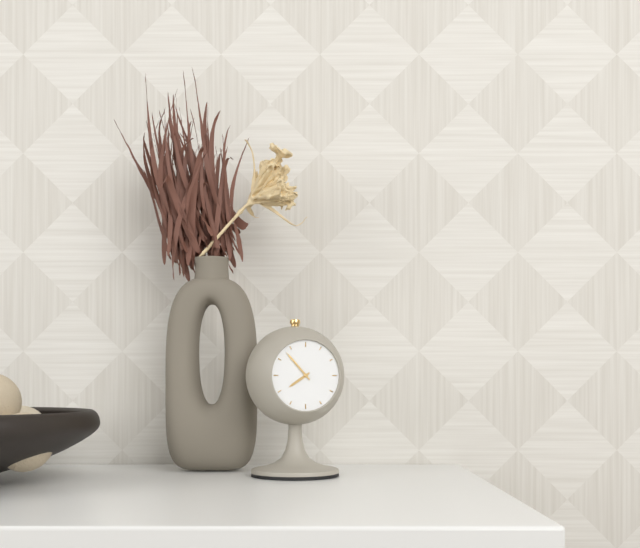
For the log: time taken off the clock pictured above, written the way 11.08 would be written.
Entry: 7.53
